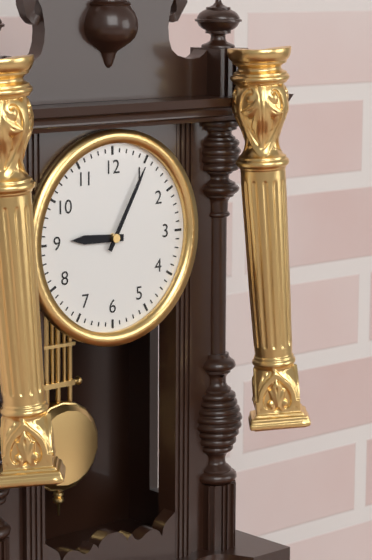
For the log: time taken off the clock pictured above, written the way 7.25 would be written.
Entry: 9.05
